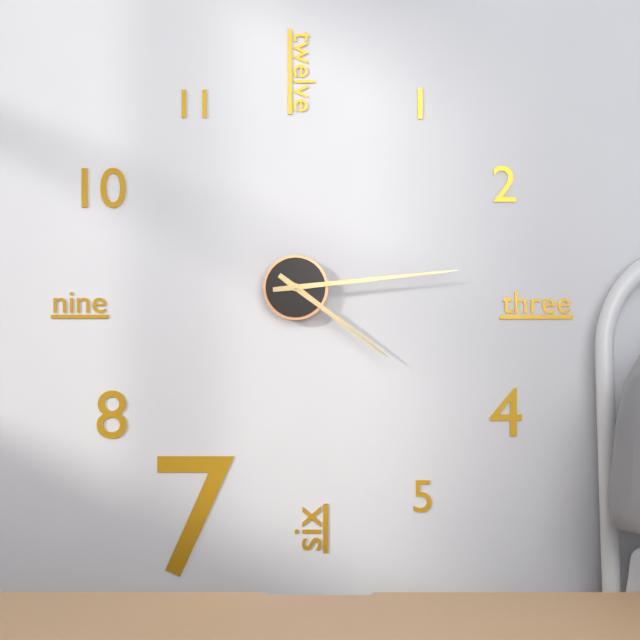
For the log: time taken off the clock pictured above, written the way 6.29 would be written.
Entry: 4.14
